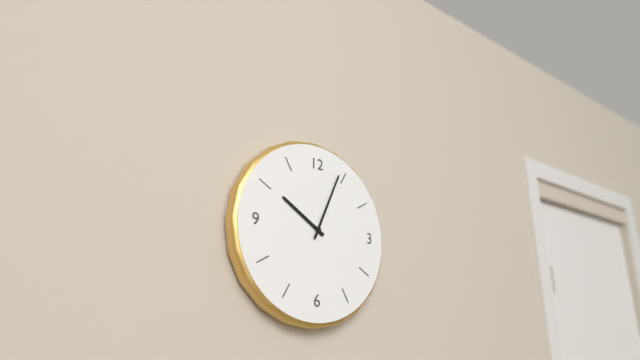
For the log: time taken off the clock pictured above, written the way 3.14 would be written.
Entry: 10.04
